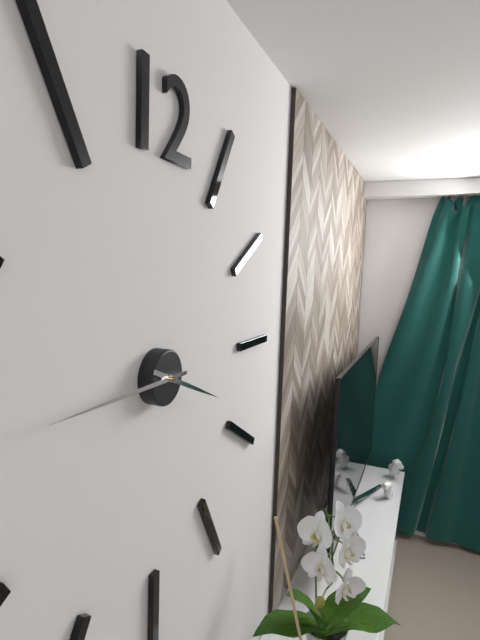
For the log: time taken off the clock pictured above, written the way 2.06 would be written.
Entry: 3.45
